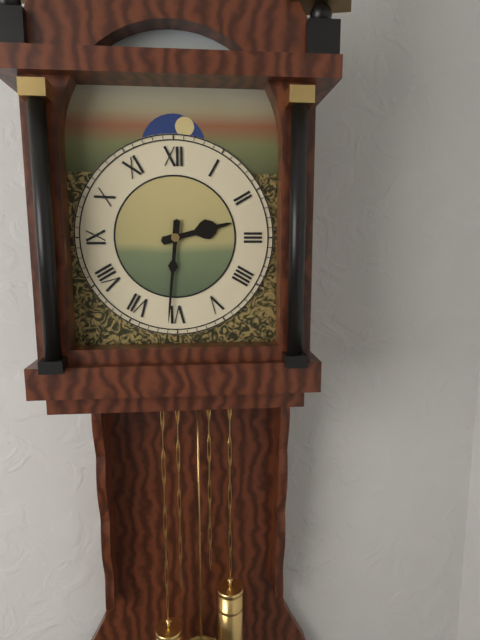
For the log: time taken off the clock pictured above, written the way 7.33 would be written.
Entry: 2.31
